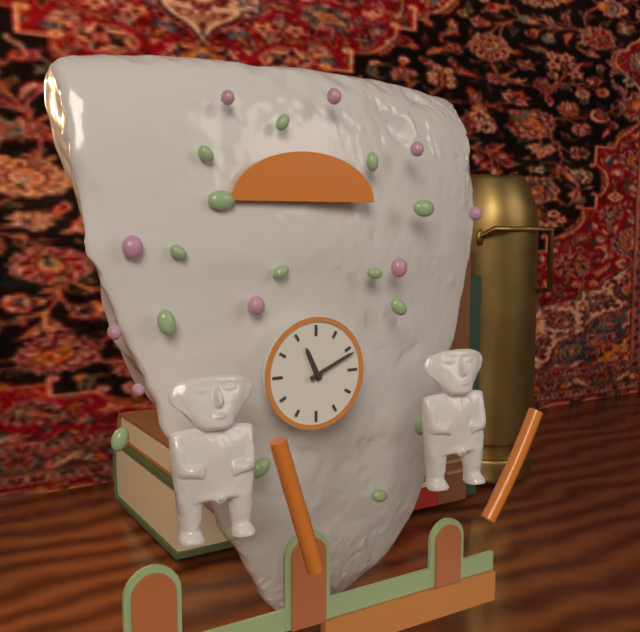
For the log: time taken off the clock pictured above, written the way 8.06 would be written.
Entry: 11.11
